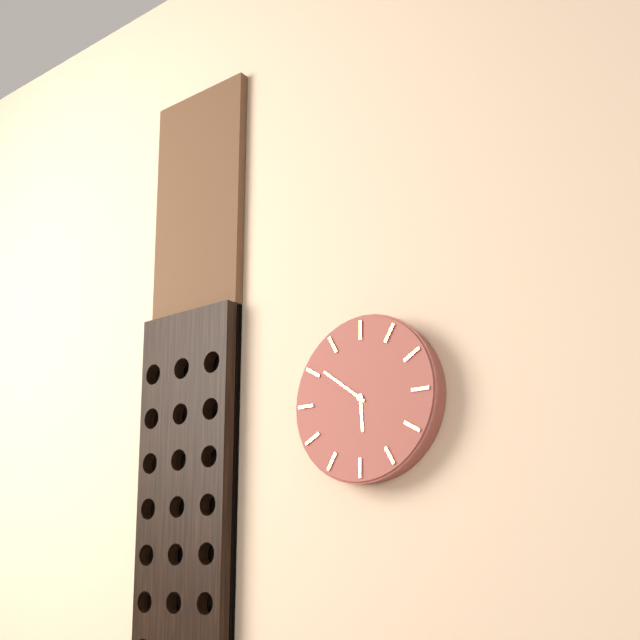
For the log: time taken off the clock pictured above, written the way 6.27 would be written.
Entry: 5.51
